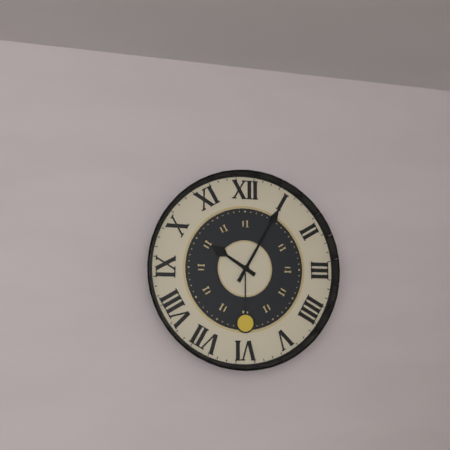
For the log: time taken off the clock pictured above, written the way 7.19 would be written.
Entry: 10.05
